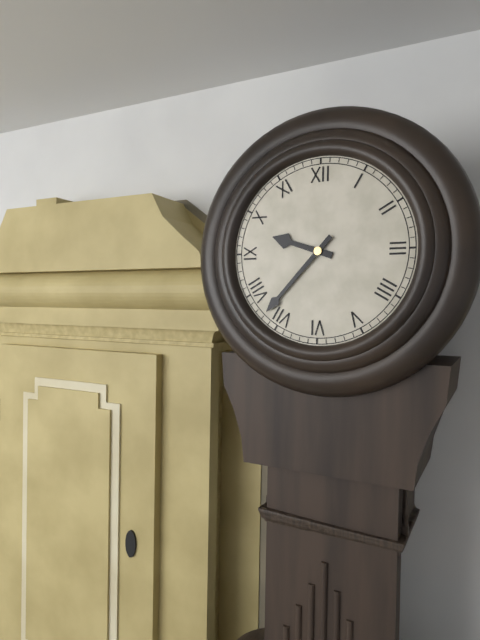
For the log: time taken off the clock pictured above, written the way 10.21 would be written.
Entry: 9.37
